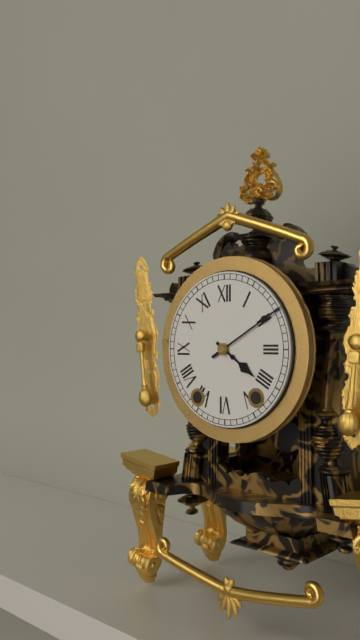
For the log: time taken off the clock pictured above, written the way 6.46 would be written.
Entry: 4.10
